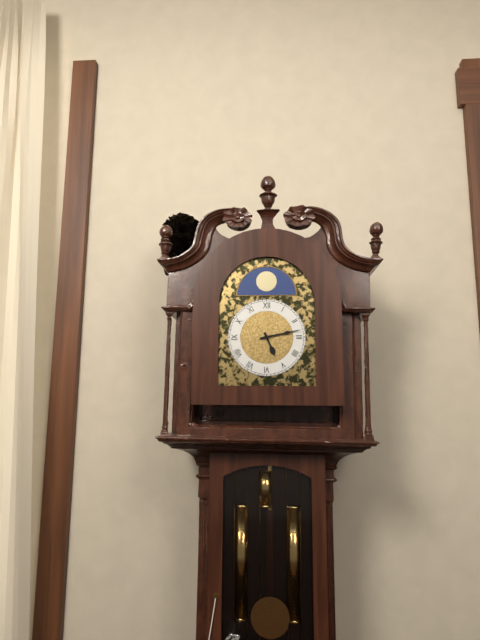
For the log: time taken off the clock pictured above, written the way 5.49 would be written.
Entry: 5.13
